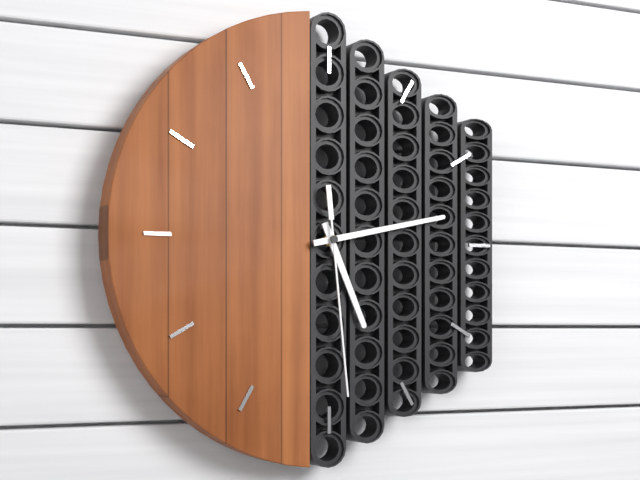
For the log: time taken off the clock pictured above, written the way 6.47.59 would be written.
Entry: 5.13.29
